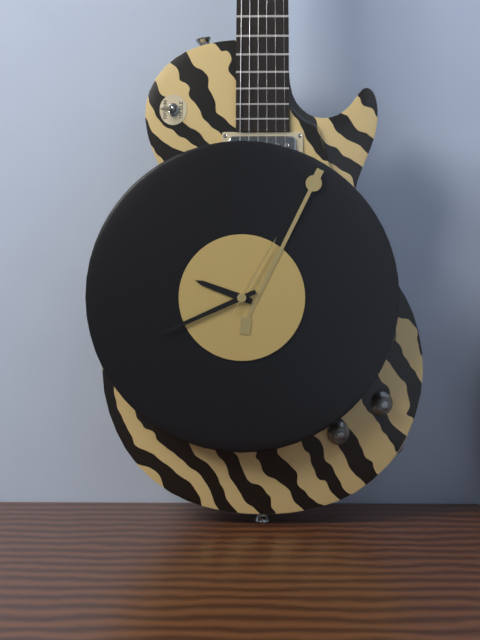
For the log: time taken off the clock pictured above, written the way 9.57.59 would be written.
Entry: 9.41.05
